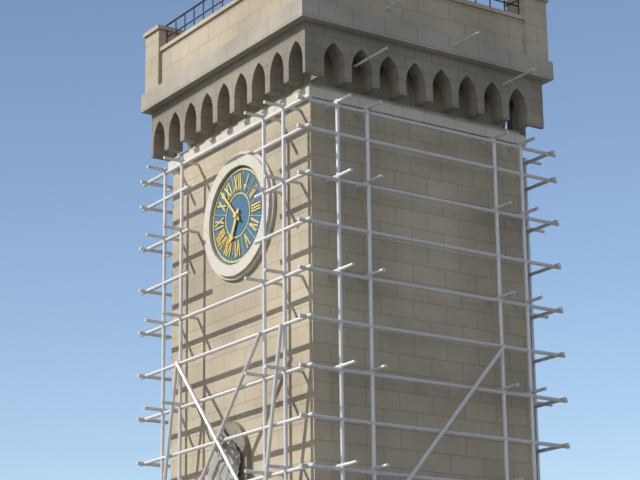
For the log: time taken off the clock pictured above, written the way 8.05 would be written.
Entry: 6.53
